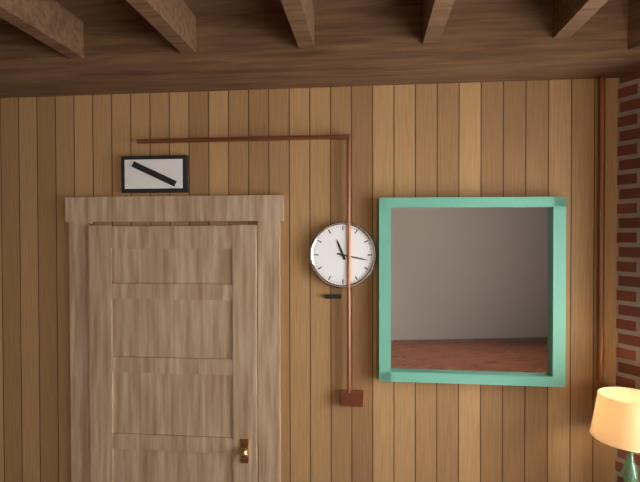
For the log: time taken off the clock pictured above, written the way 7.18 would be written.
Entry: 11.17
